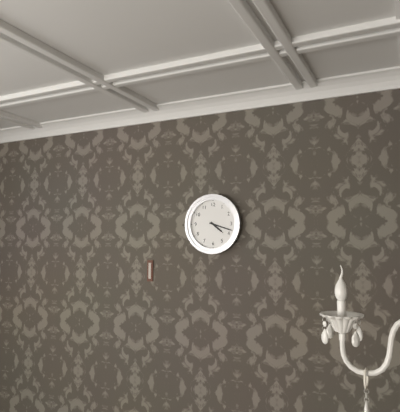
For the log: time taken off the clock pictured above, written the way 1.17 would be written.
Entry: 4.18
